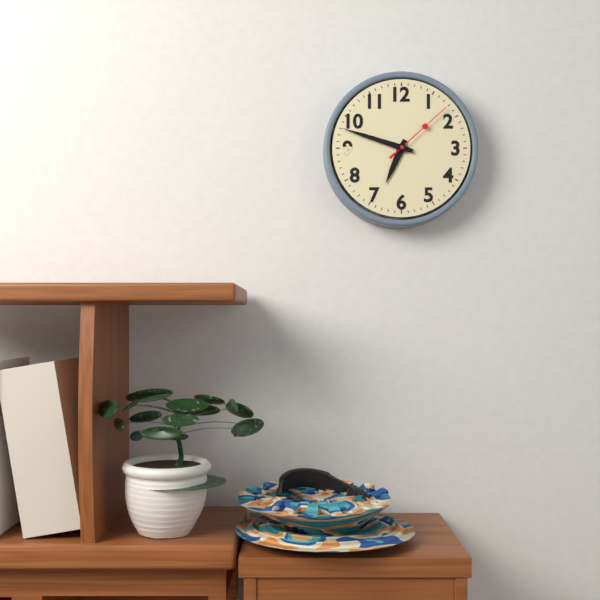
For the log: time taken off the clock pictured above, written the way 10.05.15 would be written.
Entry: 6.48.08
